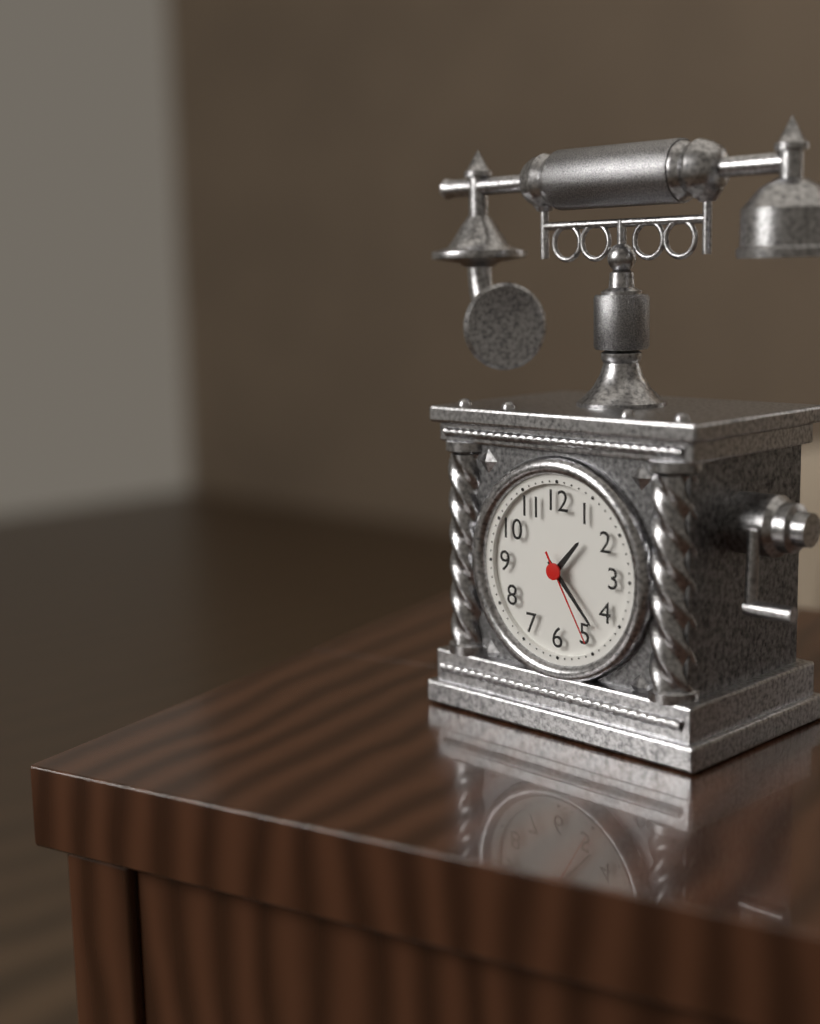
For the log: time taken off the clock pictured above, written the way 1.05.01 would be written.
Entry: 1.23.25
